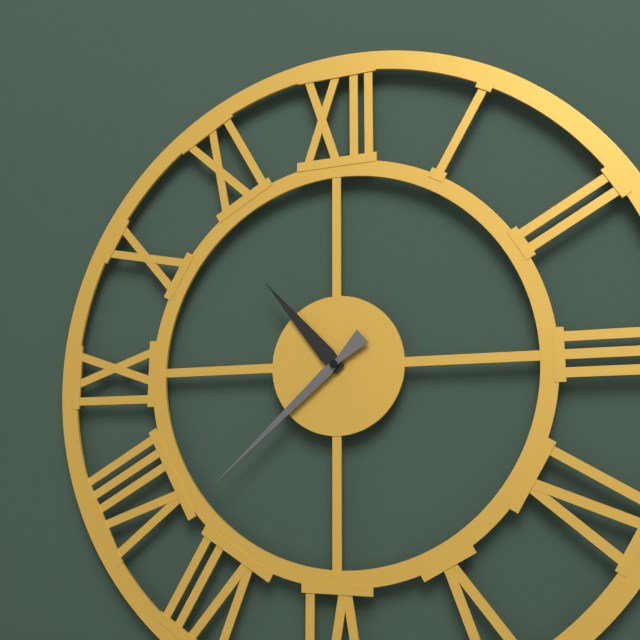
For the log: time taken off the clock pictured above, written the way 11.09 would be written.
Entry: 10.38
